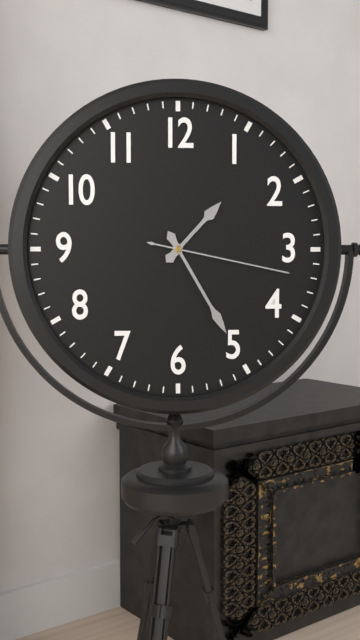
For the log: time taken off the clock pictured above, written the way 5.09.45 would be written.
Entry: 1.25.17
